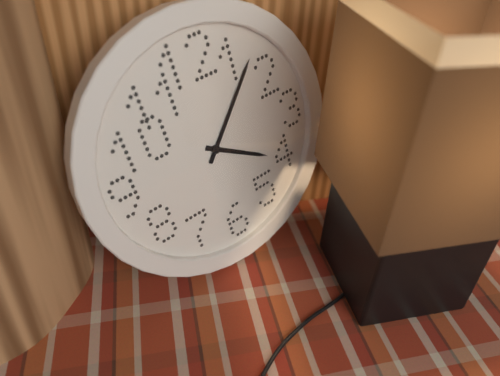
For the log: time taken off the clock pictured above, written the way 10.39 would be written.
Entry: 4.07
